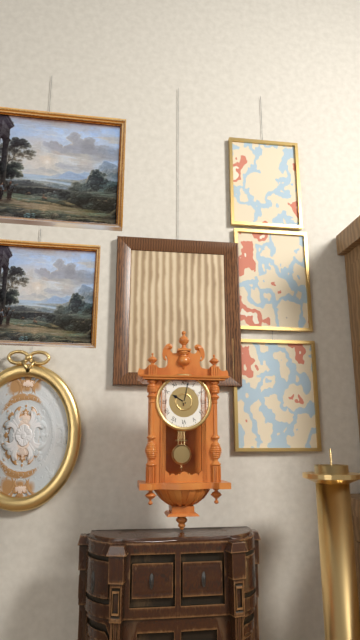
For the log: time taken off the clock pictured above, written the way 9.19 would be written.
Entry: 10.02
